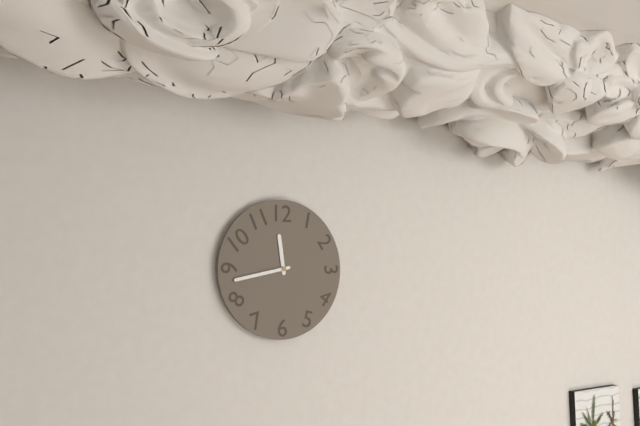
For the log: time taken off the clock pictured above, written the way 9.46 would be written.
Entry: 11.43
